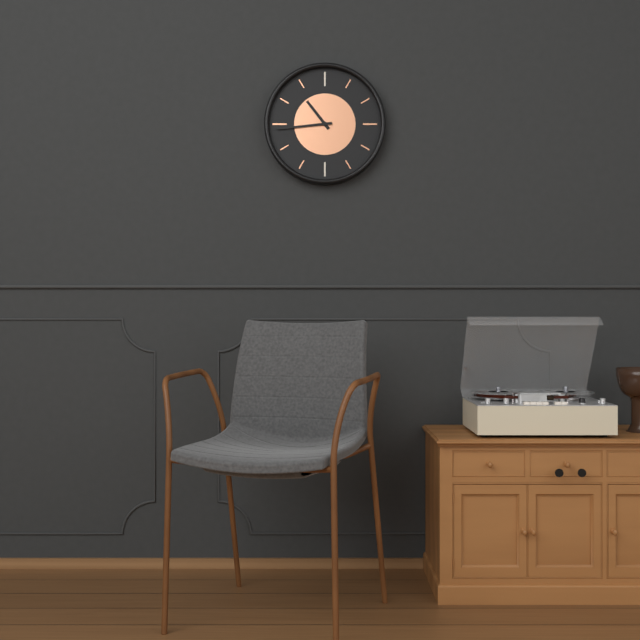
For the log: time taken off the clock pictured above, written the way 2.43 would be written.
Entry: 10.44
